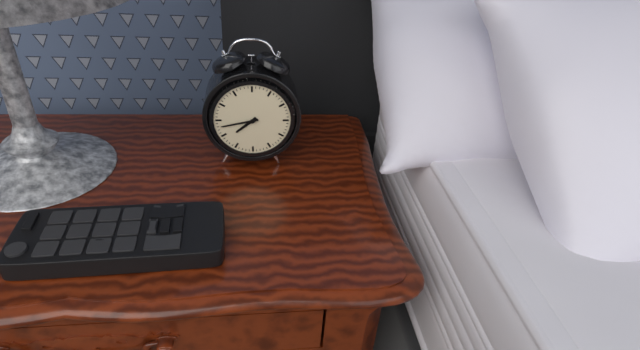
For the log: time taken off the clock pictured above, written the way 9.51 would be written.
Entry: 7.43
